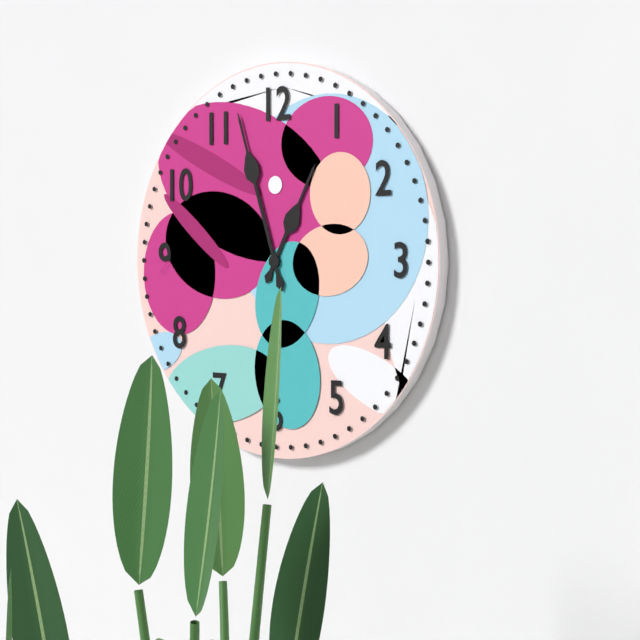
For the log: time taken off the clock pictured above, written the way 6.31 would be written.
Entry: 12.57
